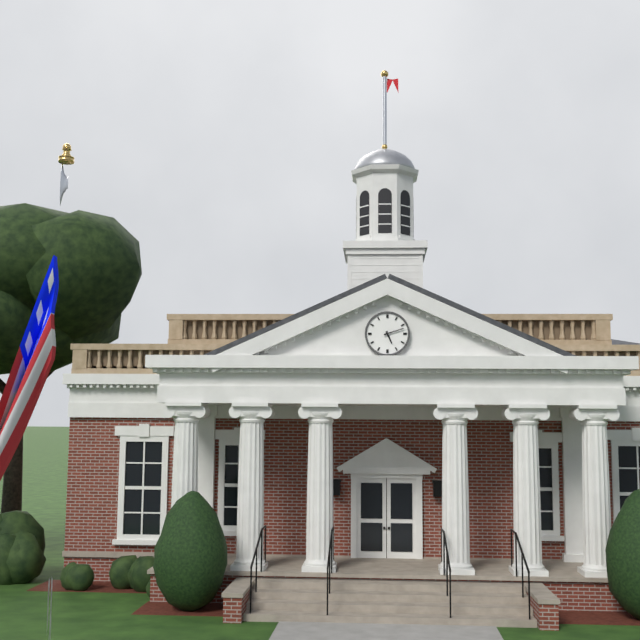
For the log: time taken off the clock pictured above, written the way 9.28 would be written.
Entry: 5.12
